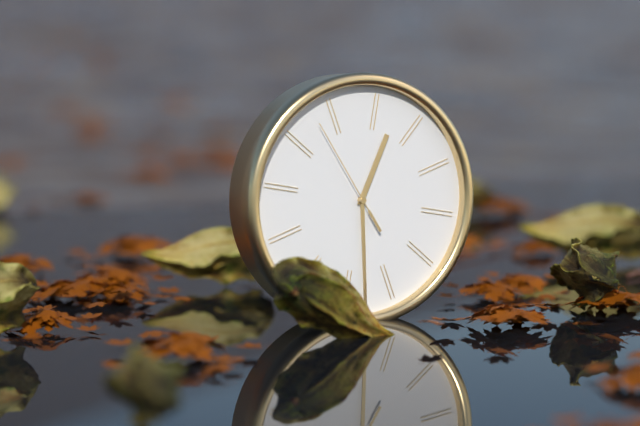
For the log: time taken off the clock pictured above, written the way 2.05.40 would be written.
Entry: 12.28.53
